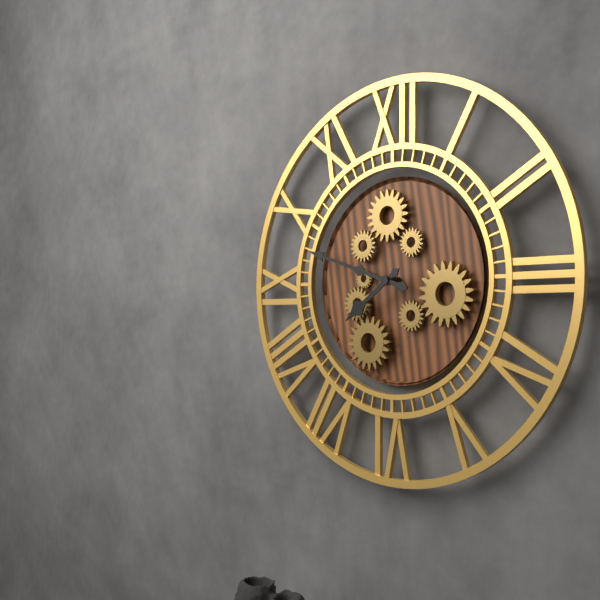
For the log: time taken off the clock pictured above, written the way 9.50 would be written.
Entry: 7.48
